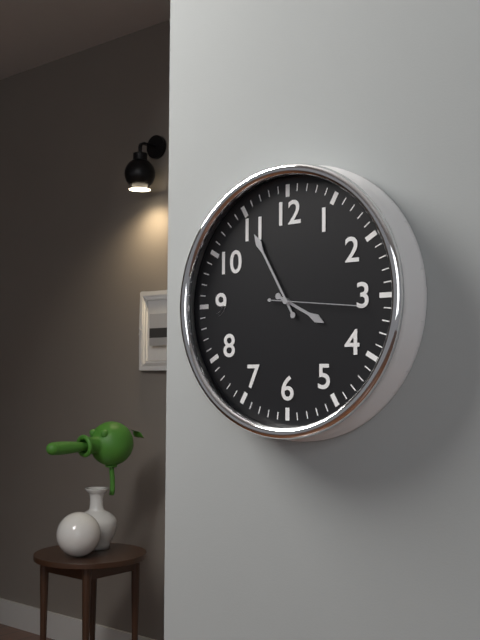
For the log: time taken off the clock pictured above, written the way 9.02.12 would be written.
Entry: 3.55.16
